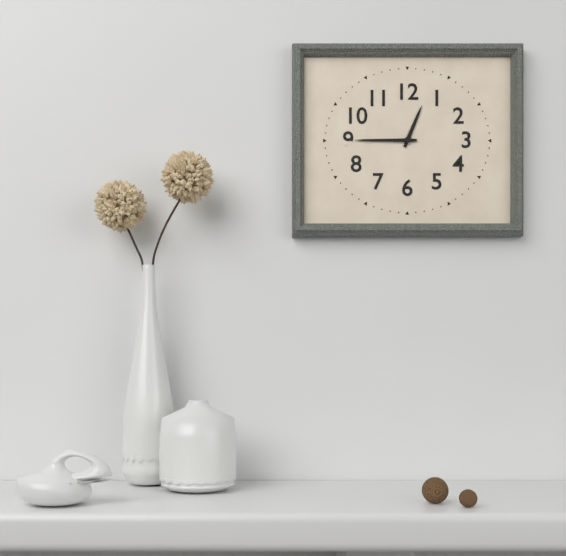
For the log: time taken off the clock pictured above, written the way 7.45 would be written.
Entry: 12.45
